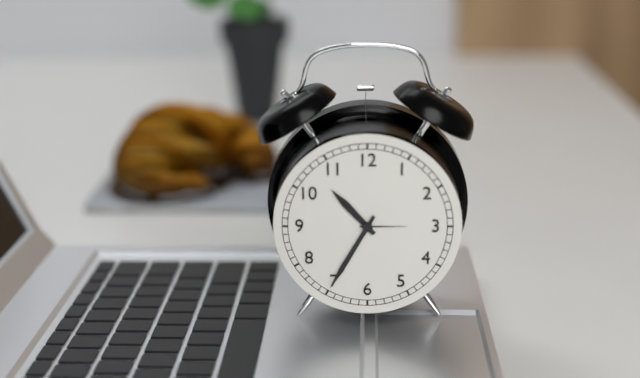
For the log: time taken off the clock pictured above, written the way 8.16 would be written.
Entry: 10.35
